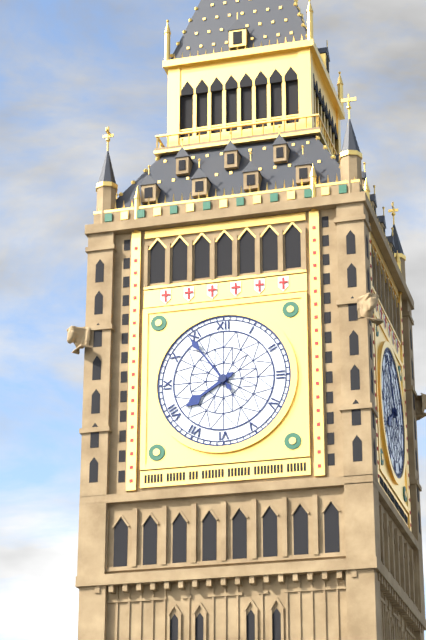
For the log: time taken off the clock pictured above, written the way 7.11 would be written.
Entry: 7.54
